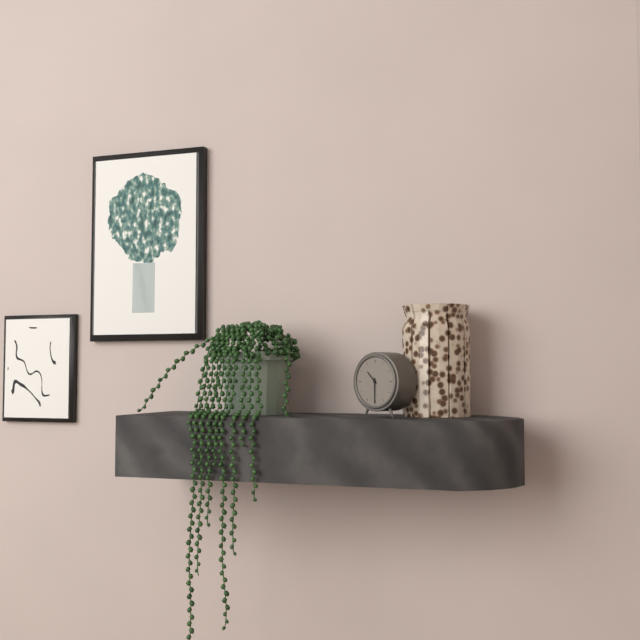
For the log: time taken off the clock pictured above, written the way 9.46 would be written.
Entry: 10.30
